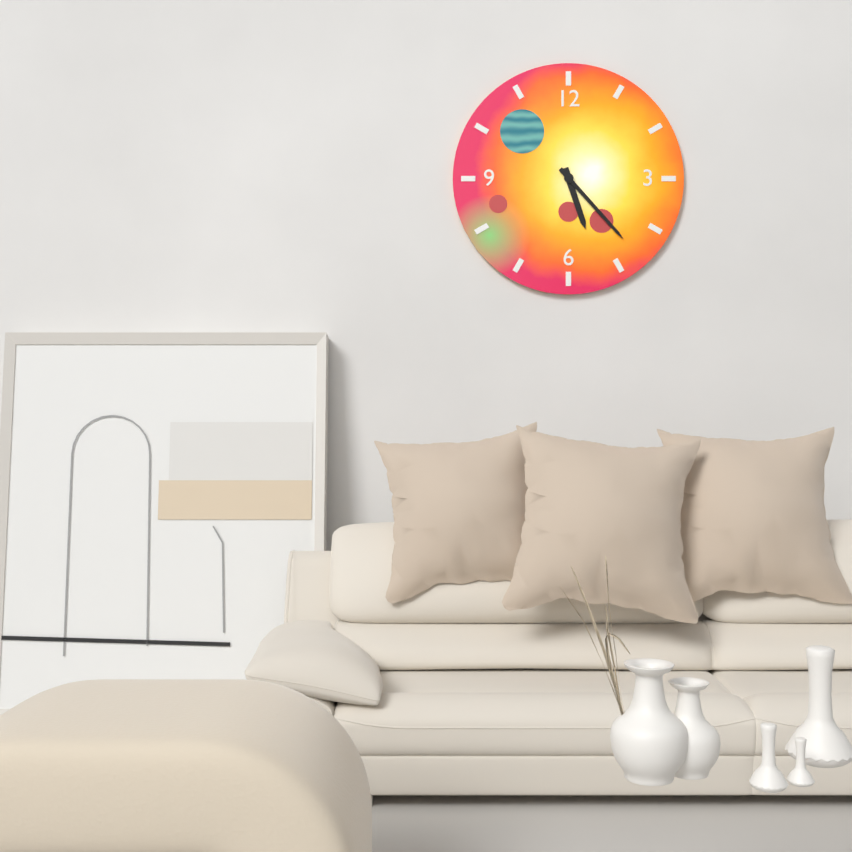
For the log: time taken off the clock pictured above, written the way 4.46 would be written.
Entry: 5.23
